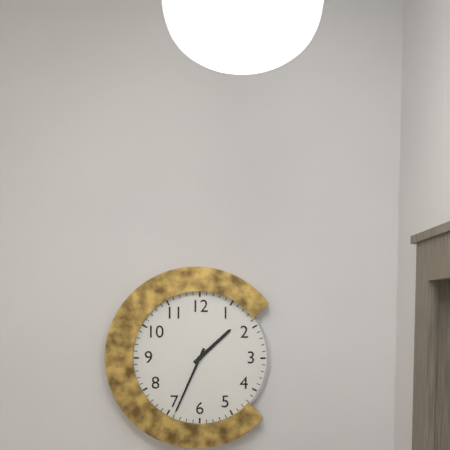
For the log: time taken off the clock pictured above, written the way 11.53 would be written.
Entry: 1.34
